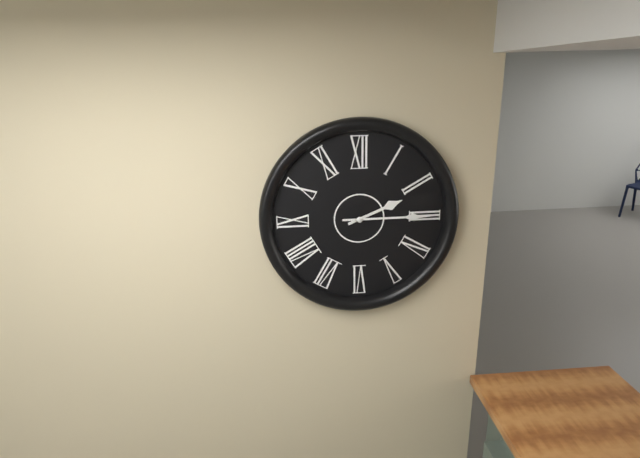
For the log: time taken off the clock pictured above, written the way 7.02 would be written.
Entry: 2.15
